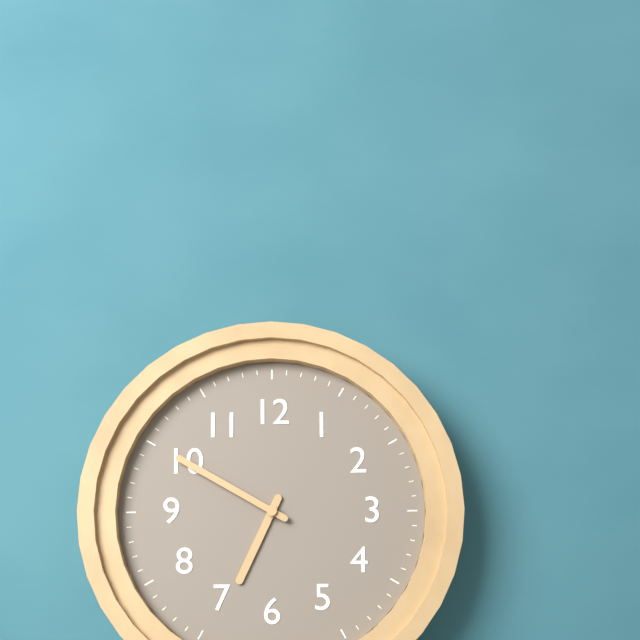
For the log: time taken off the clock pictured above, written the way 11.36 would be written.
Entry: 6.50
